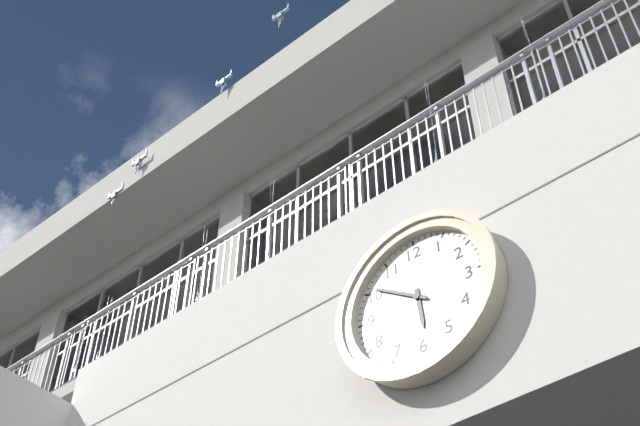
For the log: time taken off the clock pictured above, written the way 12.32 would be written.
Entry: 5.51
